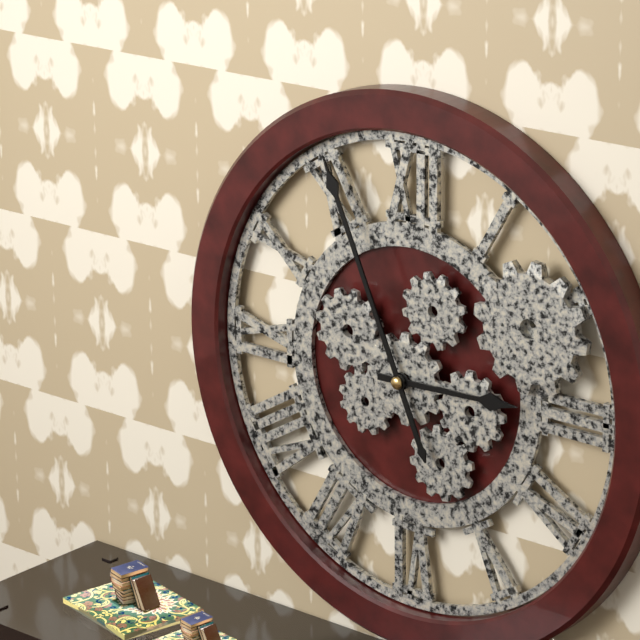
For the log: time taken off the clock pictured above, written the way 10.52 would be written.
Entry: 2.56
